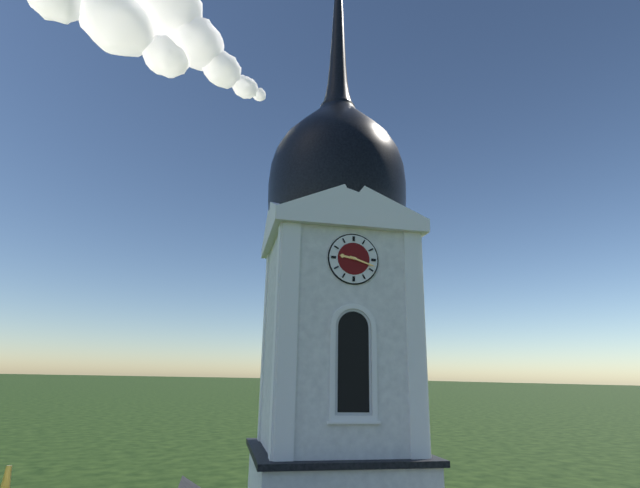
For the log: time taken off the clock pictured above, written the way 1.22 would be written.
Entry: 9.18
